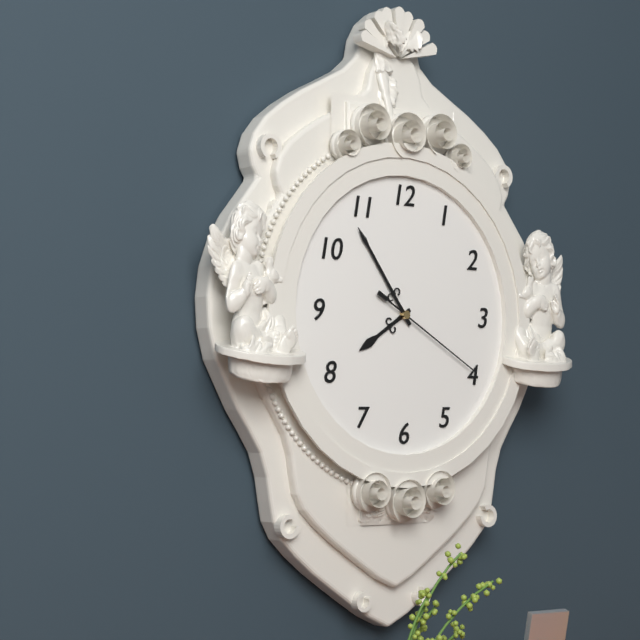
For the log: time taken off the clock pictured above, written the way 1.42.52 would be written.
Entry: 7.54.20
